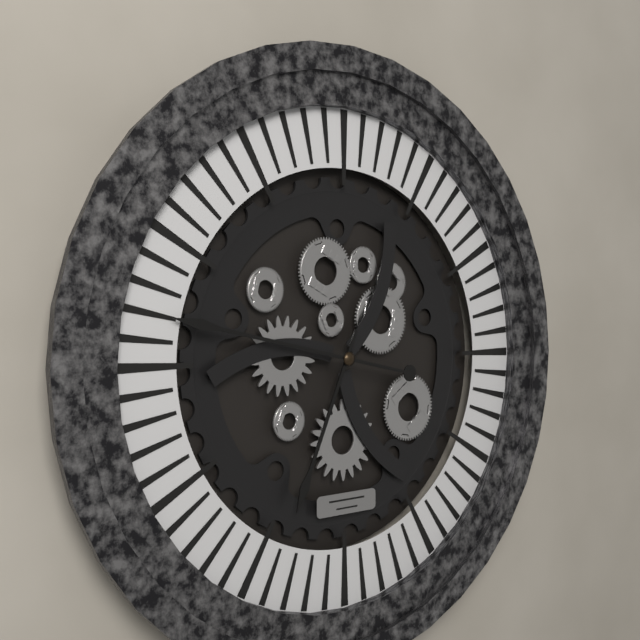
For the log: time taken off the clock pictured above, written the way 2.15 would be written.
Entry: 6.47
